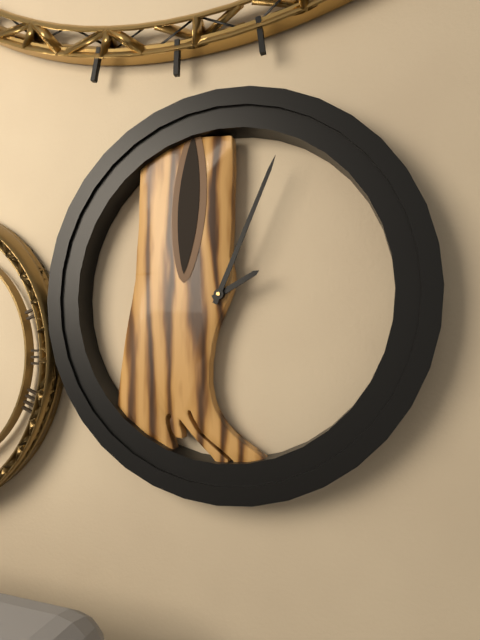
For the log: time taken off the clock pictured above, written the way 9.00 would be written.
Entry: 2.04
